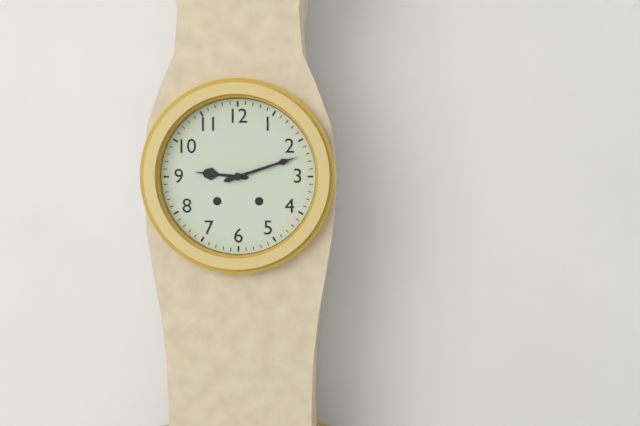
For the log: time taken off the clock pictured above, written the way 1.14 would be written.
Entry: 9.12
